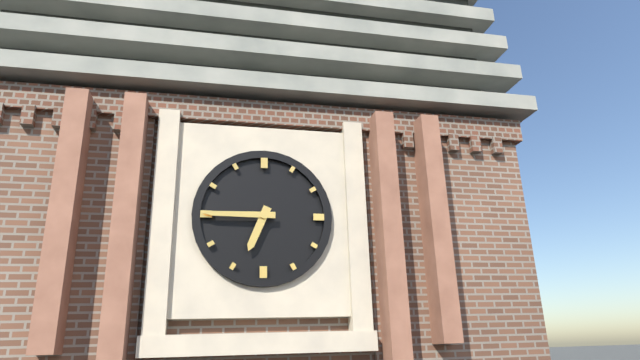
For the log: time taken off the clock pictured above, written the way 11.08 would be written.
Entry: 6.45
